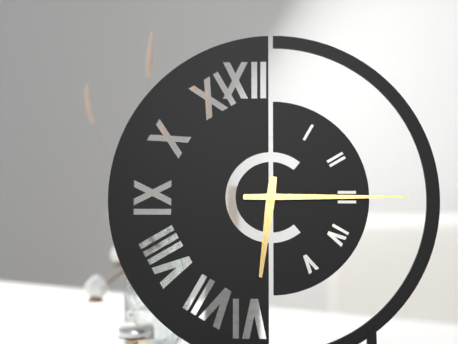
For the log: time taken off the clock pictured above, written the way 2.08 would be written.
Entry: 6.15
